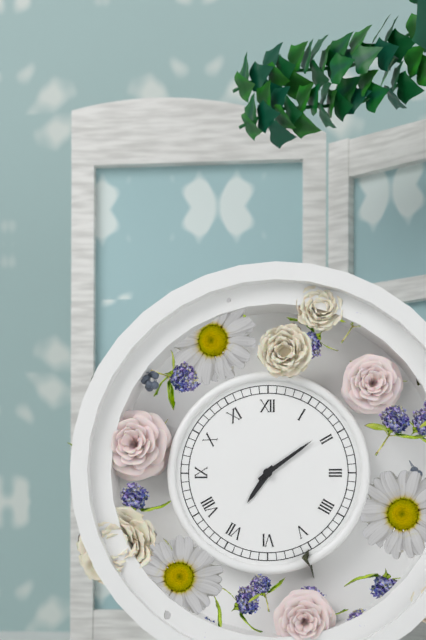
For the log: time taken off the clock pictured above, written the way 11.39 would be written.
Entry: 7.09
